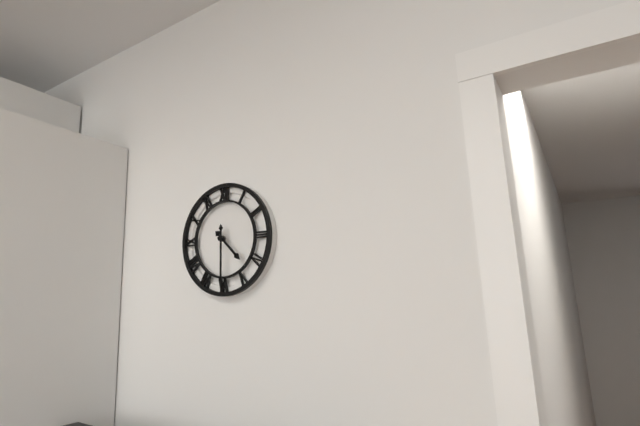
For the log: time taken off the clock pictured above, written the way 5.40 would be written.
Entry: 4.30
